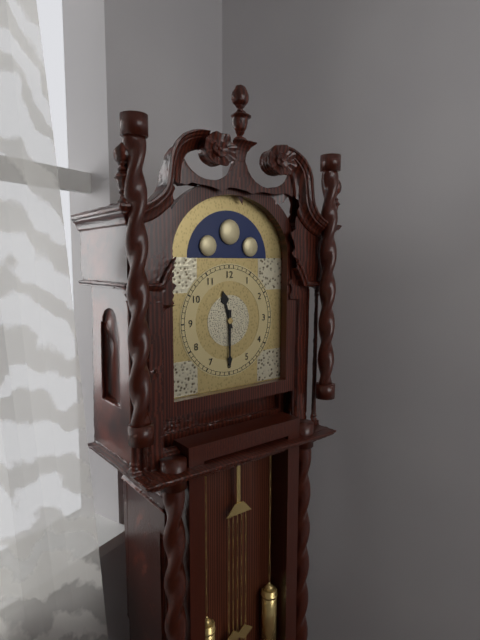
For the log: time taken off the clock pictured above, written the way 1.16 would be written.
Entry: 11.30
